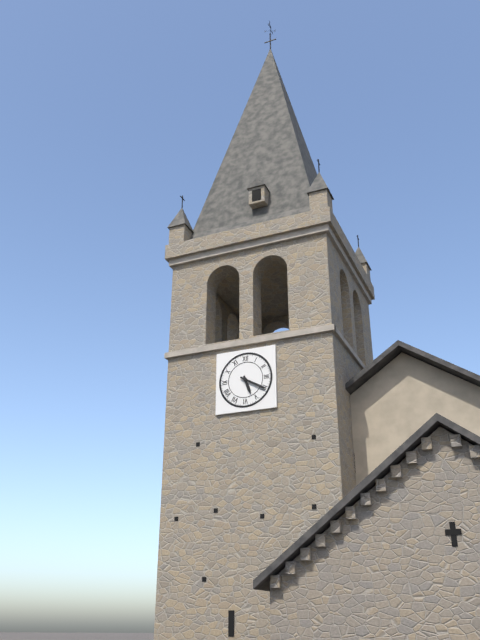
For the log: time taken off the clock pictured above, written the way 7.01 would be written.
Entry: 5.20
